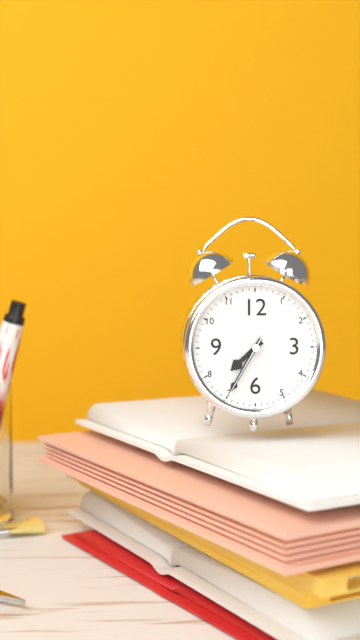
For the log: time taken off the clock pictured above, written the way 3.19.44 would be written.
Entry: 7.35.35
